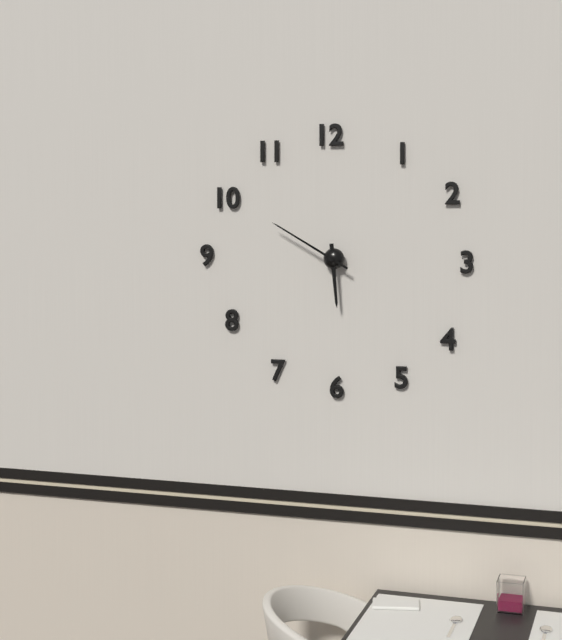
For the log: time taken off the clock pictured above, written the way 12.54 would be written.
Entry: 5.50
